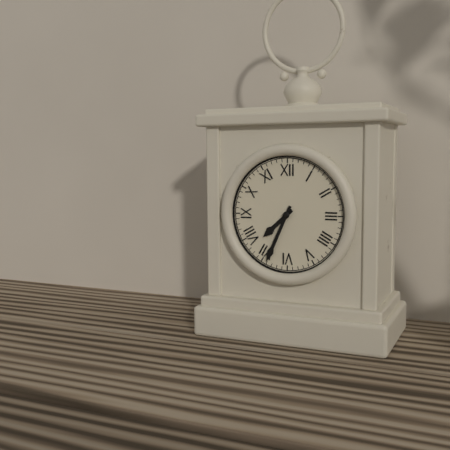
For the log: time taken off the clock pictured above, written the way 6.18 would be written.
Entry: 7.34
